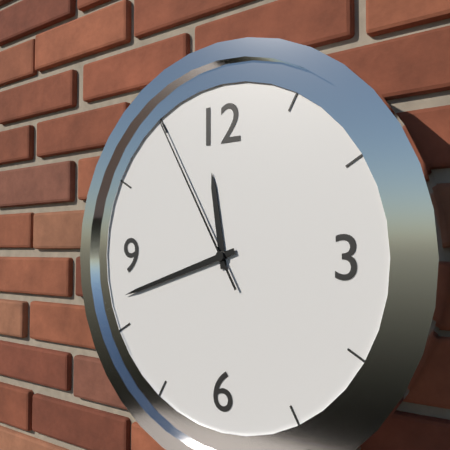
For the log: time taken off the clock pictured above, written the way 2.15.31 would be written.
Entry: 11.42.55
